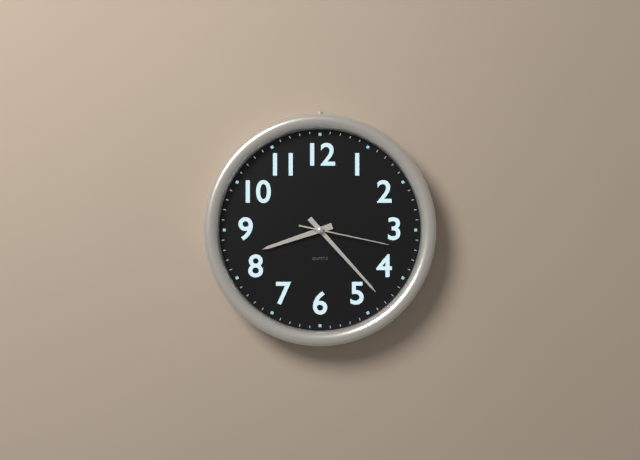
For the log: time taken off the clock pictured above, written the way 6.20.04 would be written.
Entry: 8.23.17
